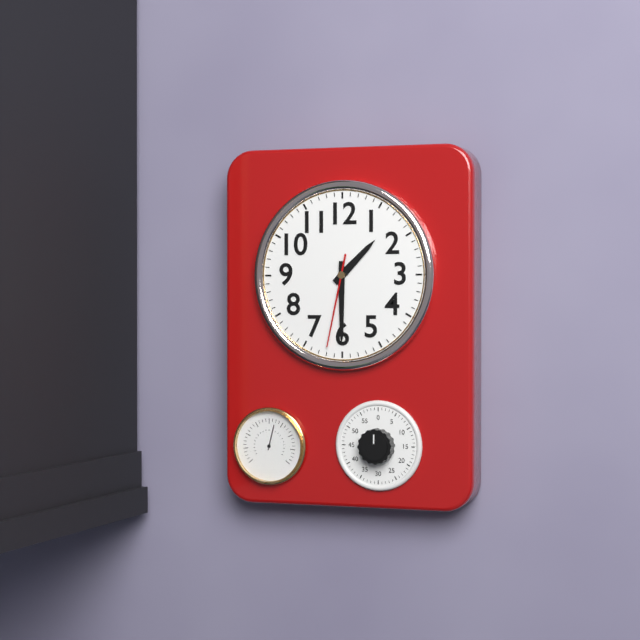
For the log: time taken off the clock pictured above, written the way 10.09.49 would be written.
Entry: 1.30.32
